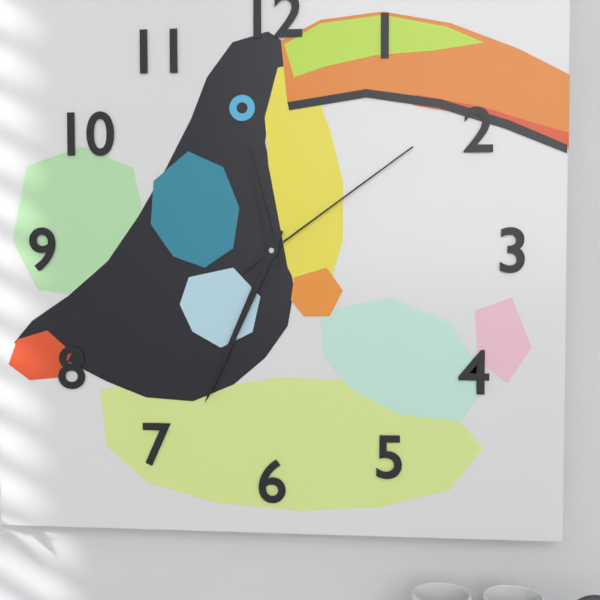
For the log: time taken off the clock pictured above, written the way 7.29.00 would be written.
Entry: 11.34.09
